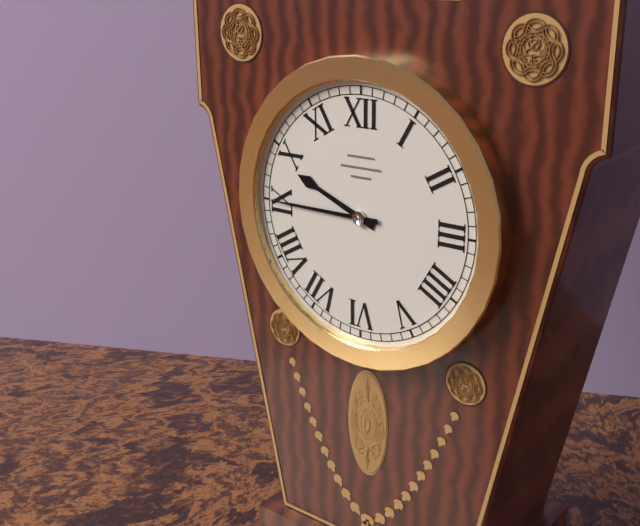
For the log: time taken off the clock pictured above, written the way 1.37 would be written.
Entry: 9.45
